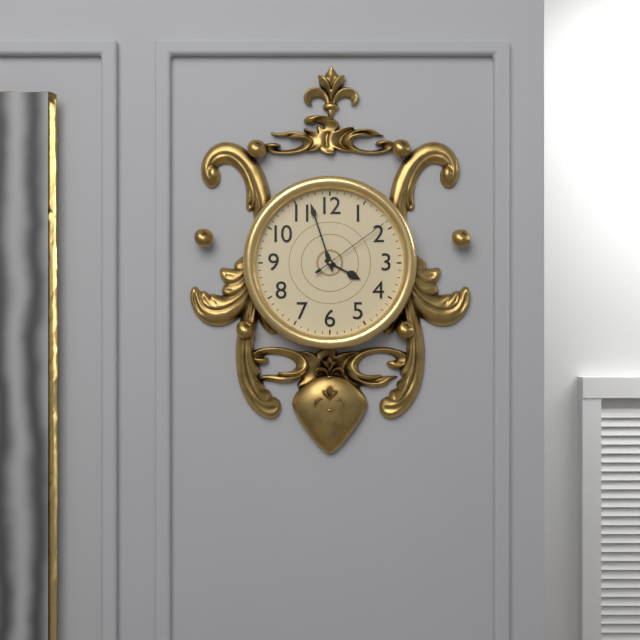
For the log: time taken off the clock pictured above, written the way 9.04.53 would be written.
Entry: 3.57.09
